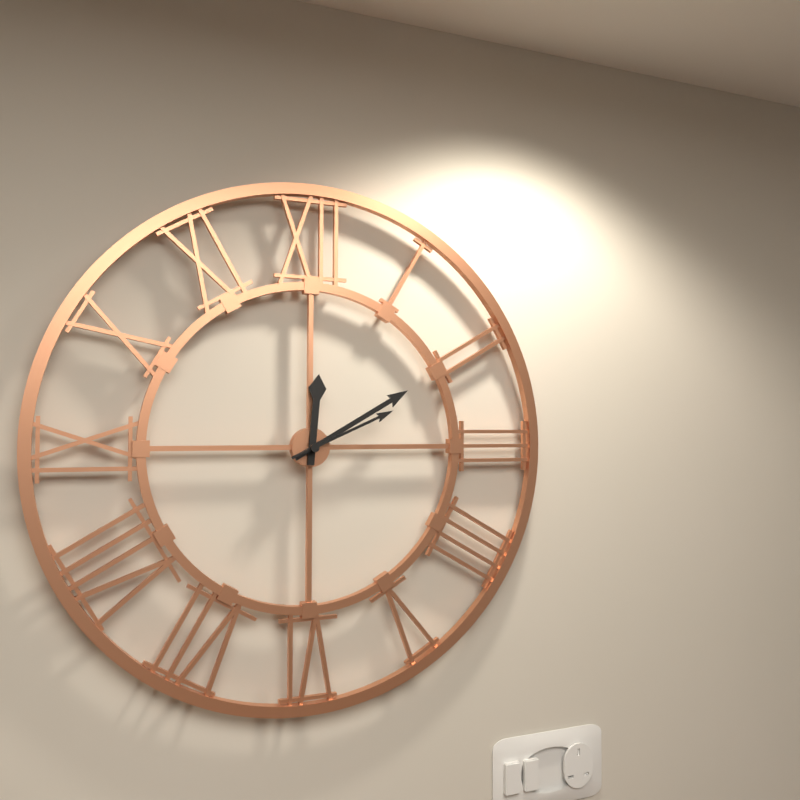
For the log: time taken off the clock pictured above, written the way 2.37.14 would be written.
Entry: 12.10.11
